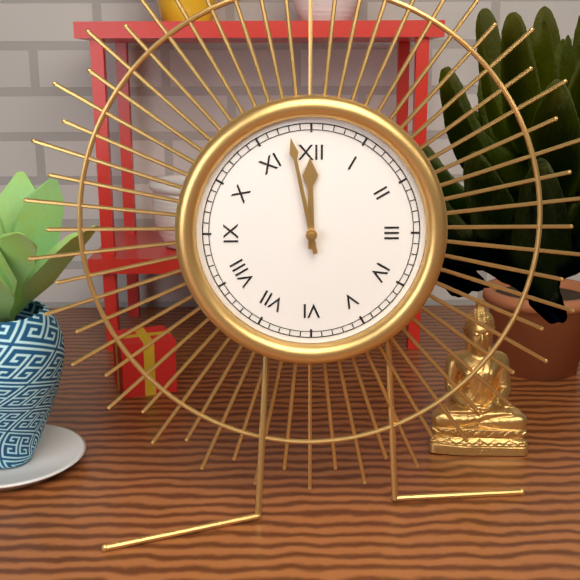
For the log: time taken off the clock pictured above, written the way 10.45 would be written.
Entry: 11.58
